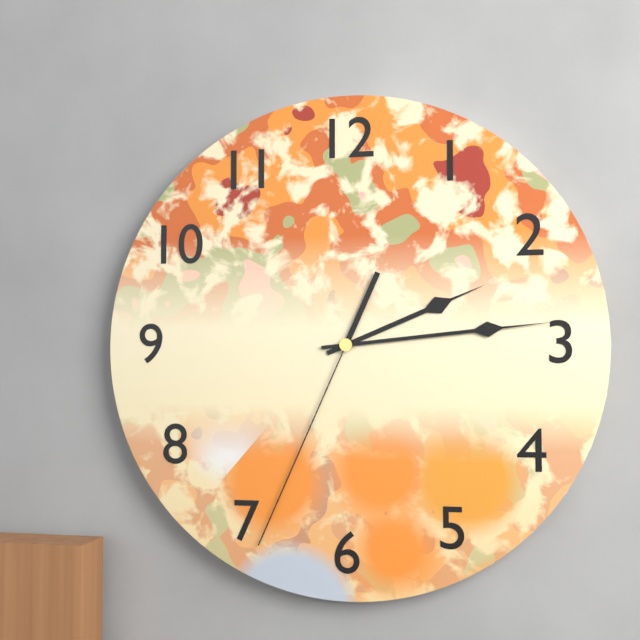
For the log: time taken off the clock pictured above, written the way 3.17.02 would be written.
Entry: 2.14.34
